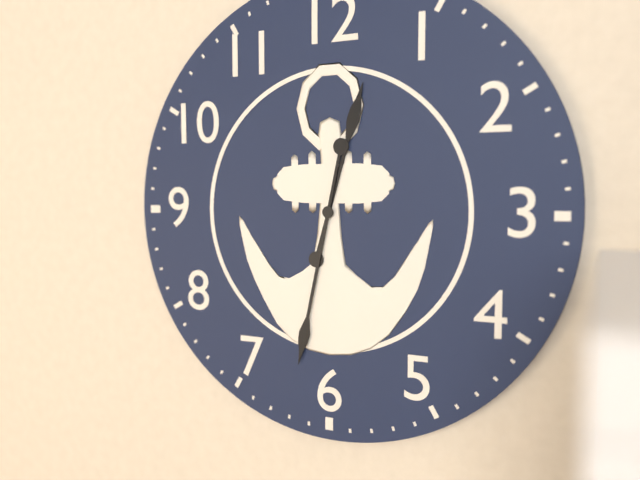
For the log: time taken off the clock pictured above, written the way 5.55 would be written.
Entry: 12.32
